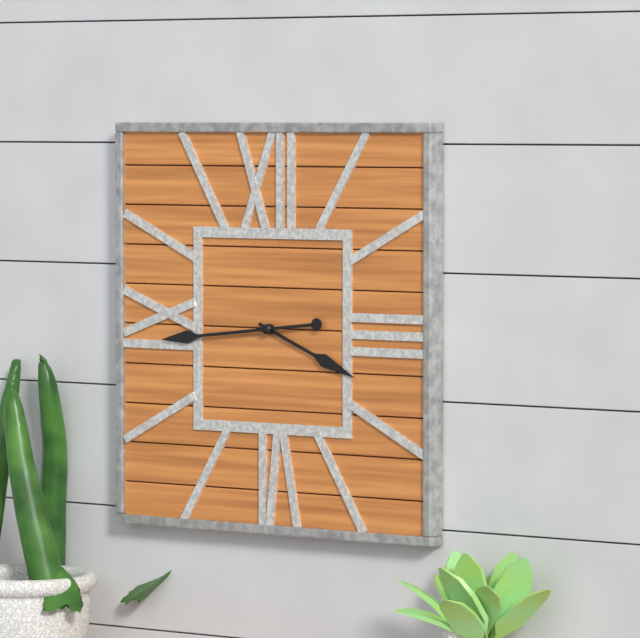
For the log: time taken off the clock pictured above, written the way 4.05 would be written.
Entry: 3.44
